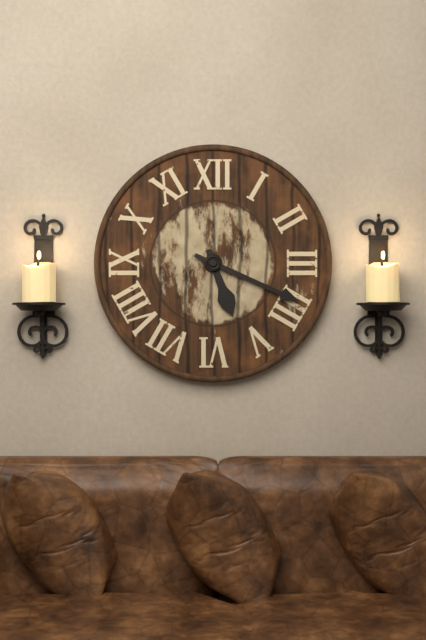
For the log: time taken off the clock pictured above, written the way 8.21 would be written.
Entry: 5.19
